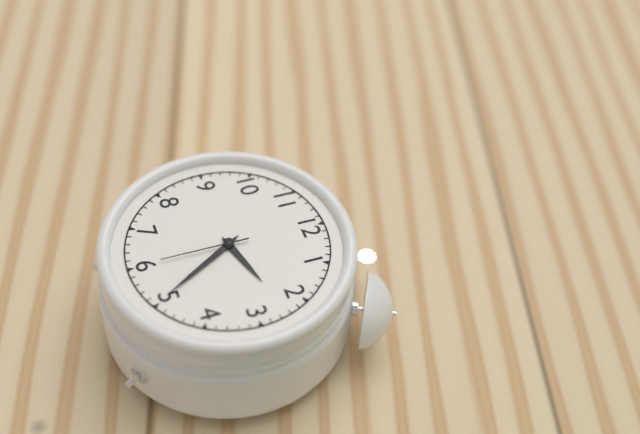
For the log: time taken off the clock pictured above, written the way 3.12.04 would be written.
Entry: 2.25.30
